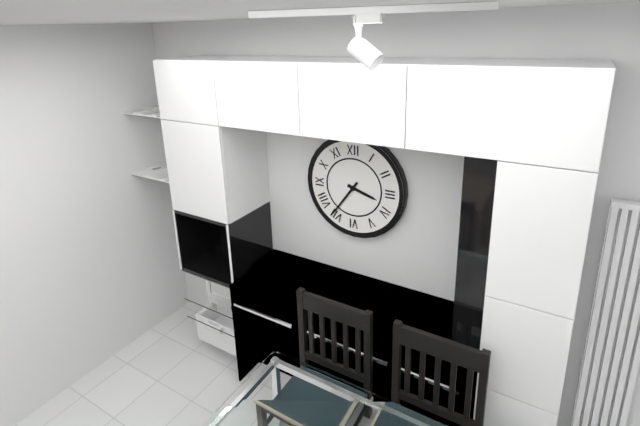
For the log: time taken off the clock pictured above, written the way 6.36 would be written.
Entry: 3.36
